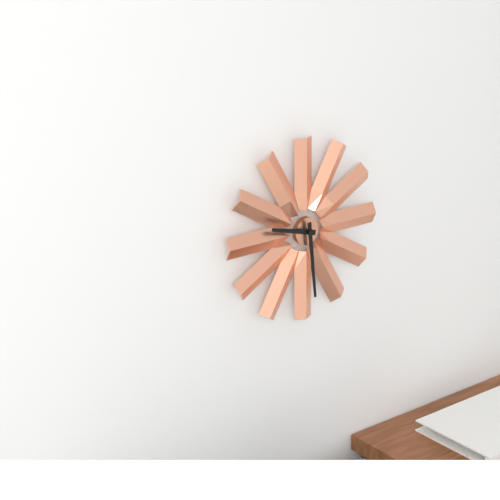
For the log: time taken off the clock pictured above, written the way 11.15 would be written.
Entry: 9.29
